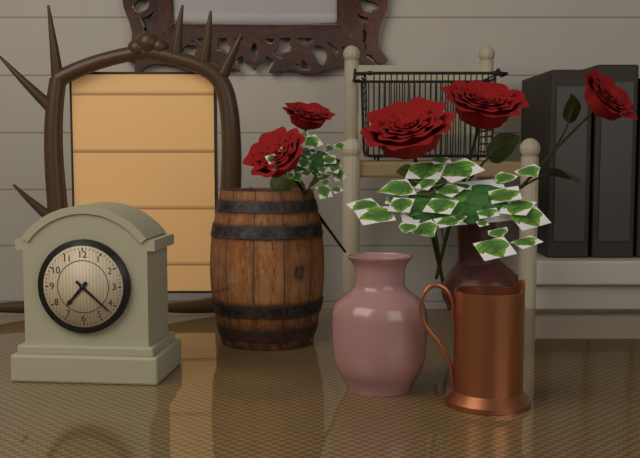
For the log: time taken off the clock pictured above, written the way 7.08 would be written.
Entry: 7.22
